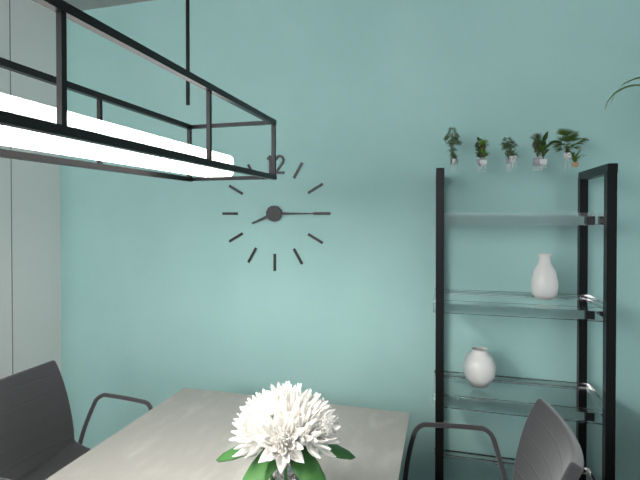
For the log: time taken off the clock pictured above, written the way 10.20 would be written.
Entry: 8.15
